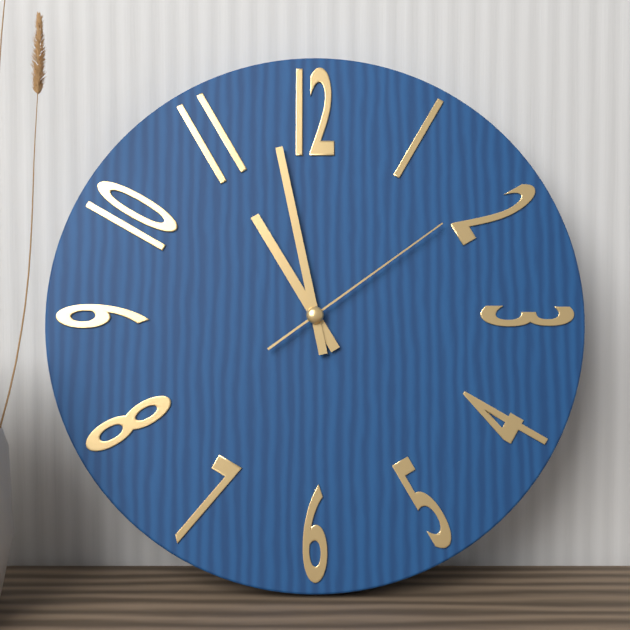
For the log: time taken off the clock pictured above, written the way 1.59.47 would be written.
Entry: 10.58.09
